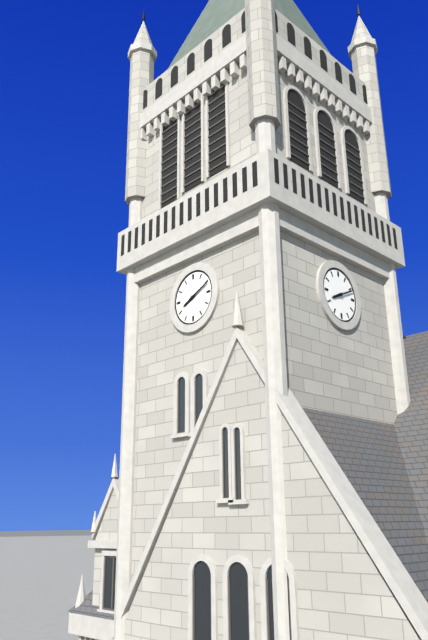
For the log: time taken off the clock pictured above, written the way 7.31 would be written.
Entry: 8.11
